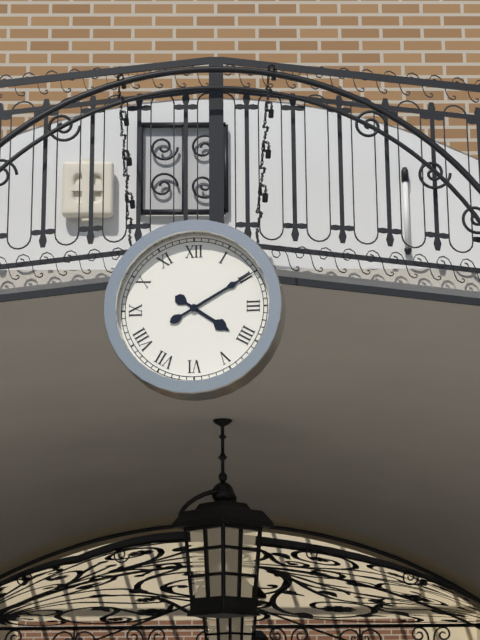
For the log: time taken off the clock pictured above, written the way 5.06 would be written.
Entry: 4.10
